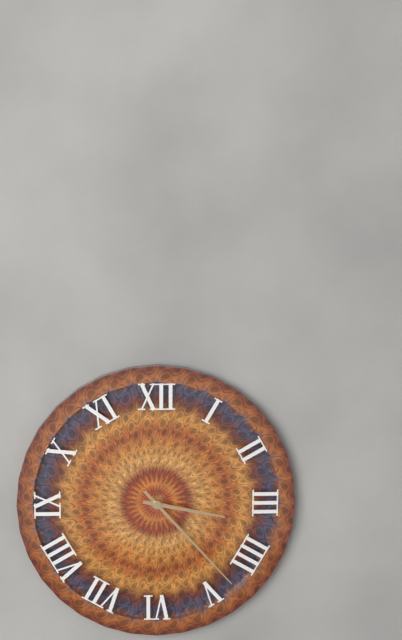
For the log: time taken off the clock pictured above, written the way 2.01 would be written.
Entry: 3.23
